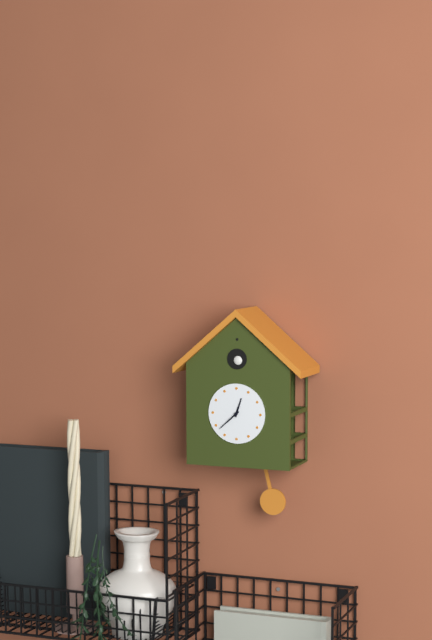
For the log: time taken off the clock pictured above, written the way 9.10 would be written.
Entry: 12.38
